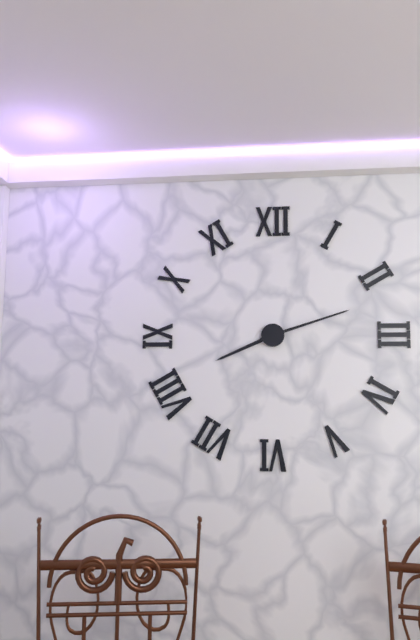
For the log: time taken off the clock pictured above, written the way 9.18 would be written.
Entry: 8.12
